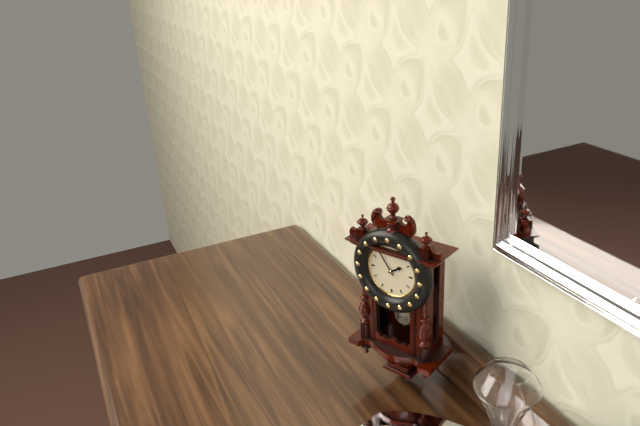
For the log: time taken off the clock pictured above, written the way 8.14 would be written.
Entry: 1.54
